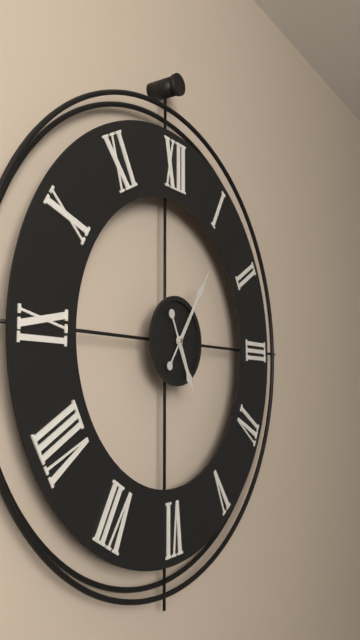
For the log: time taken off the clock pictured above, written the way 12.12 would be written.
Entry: 5.06
